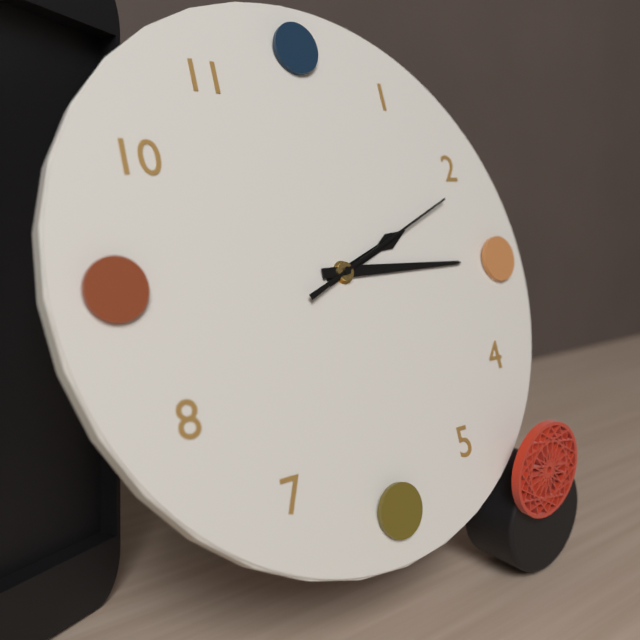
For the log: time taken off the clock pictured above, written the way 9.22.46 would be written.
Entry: 2.15.11
